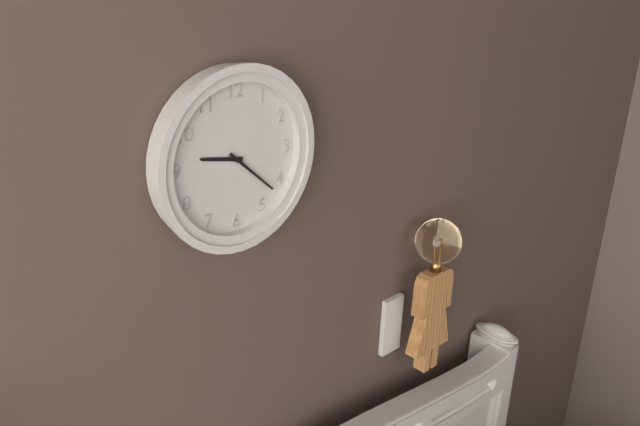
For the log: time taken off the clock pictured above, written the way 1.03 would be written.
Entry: 9.22
